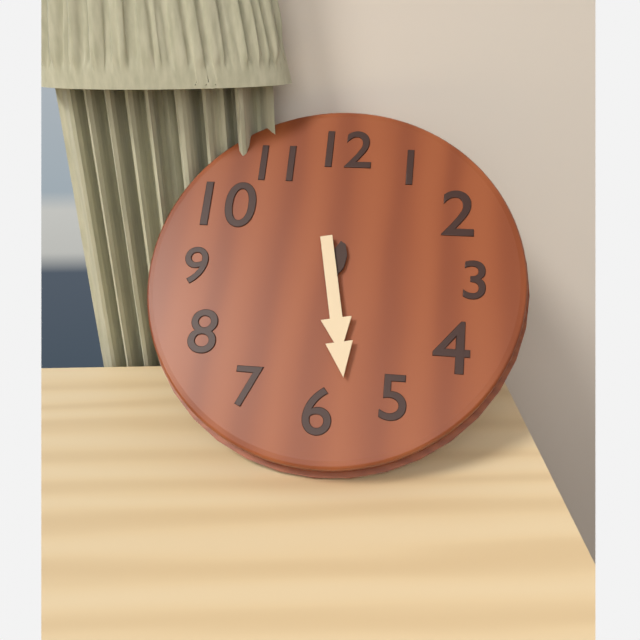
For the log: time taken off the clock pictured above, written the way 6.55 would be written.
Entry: 12.28
